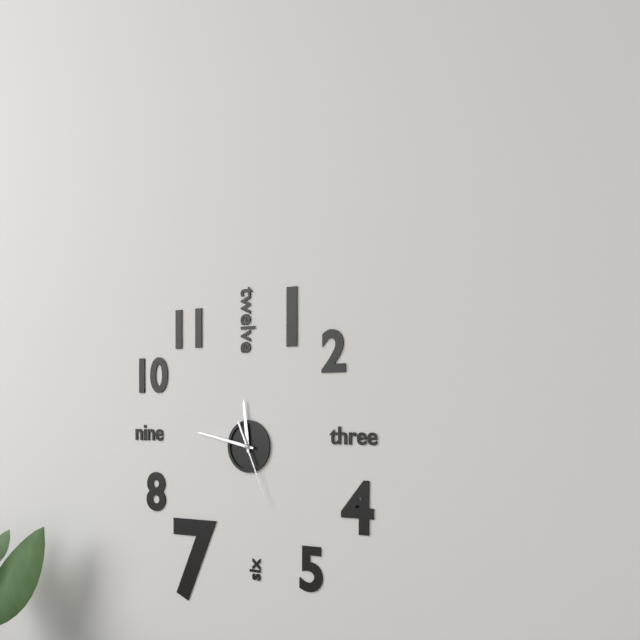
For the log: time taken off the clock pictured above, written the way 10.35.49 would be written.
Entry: 11.47.26
